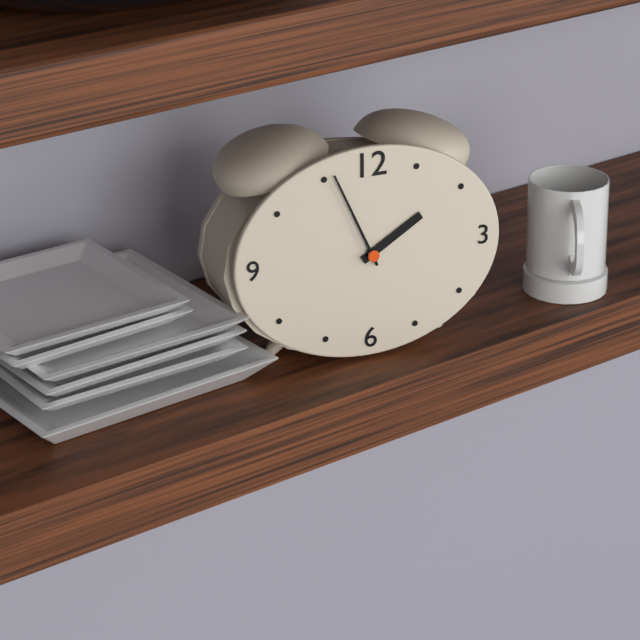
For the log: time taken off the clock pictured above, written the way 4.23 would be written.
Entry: 1.56
